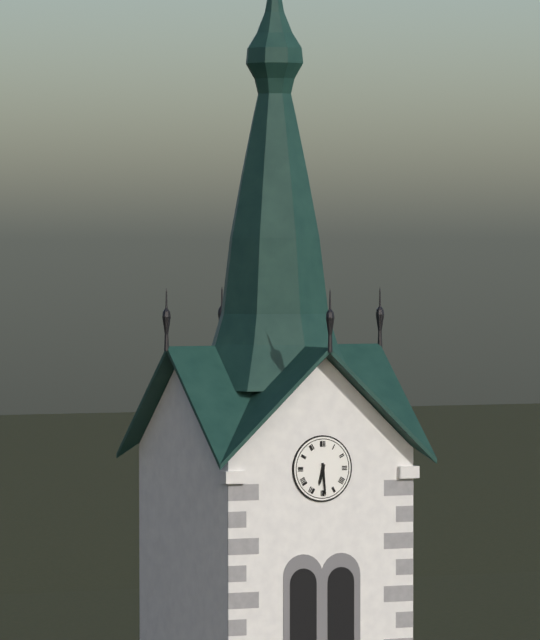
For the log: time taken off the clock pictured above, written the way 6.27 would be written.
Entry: 6.29
